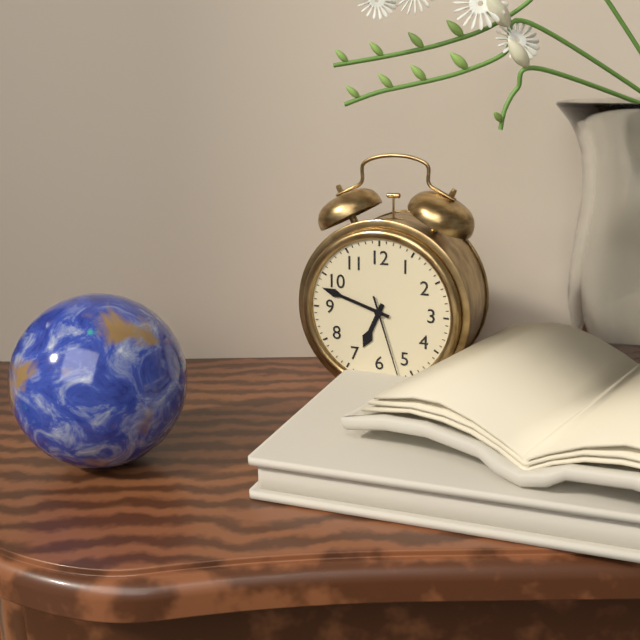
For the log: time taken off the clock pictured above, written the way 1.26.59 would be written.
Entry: 6.48.27
